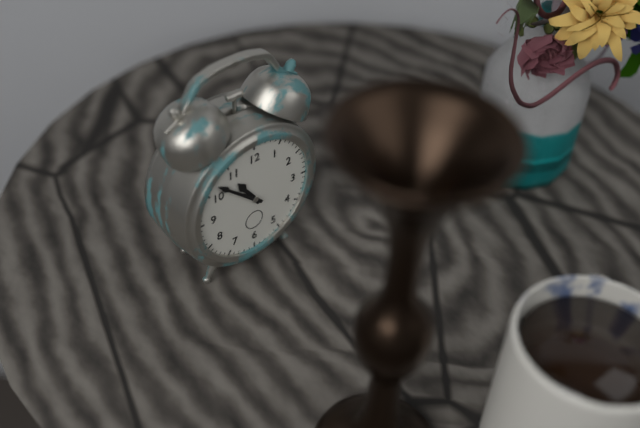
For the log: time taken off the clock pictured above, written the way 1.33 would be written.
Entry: 10.52
